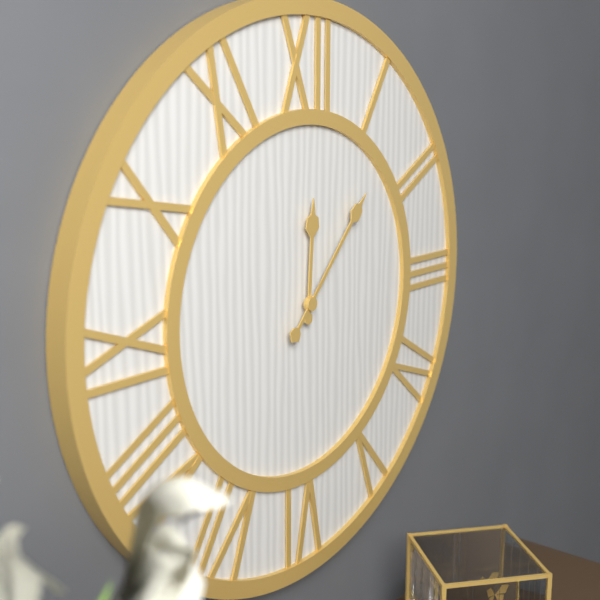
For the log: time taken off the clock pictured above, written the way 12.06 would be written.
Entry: 12.07
